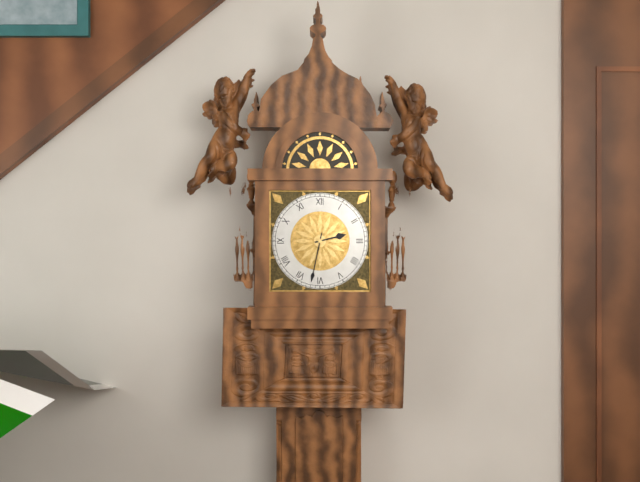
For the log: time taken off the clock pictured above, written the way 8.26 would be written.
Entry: 2.32
